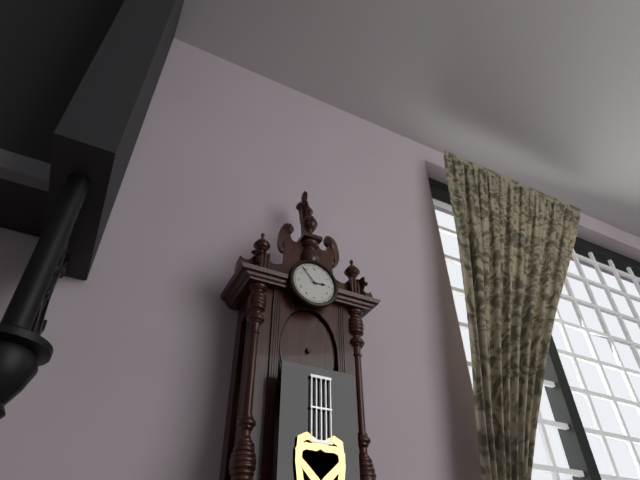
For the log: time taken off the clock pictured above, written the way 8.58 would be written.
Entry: 2.53
